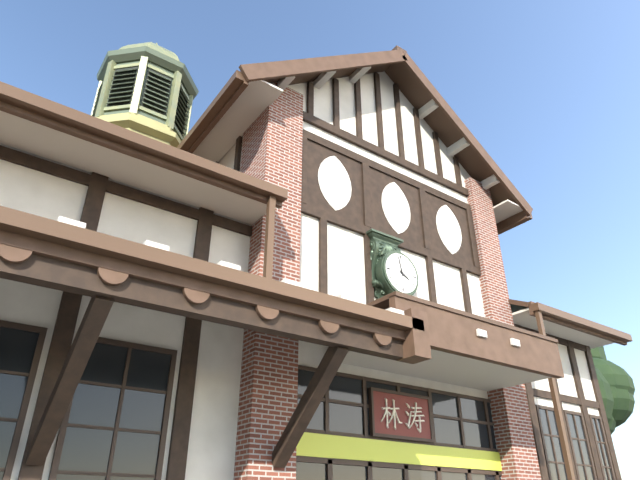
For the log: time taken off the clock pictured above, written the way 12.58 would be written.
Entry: 3.58
